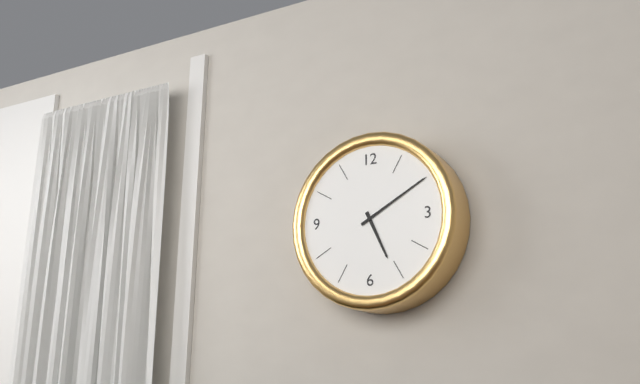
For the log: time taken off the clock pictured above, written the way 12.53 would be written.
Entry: 5.10
